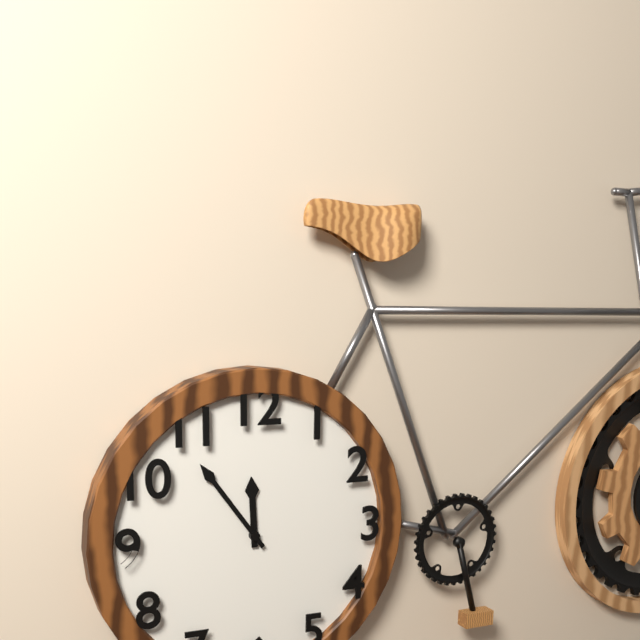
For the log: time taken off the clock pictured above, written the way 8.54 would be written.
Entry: 11.54
